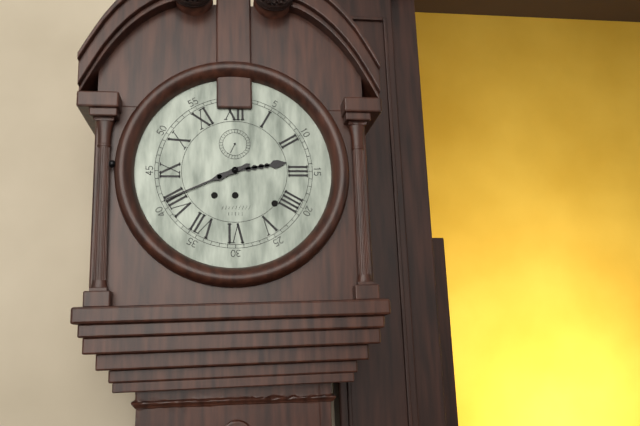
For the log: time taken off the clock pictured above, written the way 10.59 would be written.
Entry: 2.41
